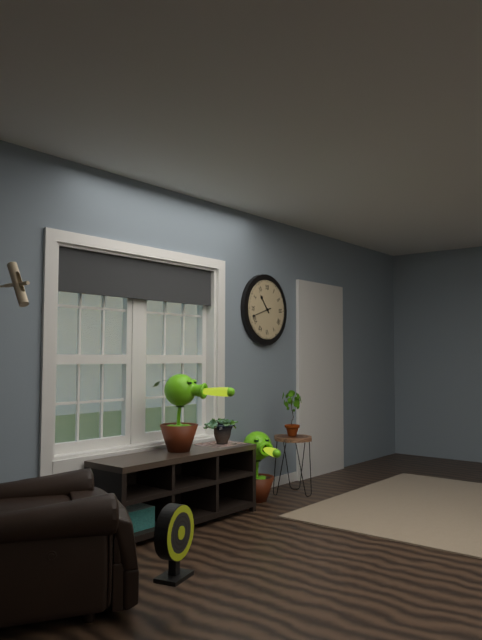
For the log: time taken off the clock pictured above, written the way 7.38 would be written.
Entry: 10.42
